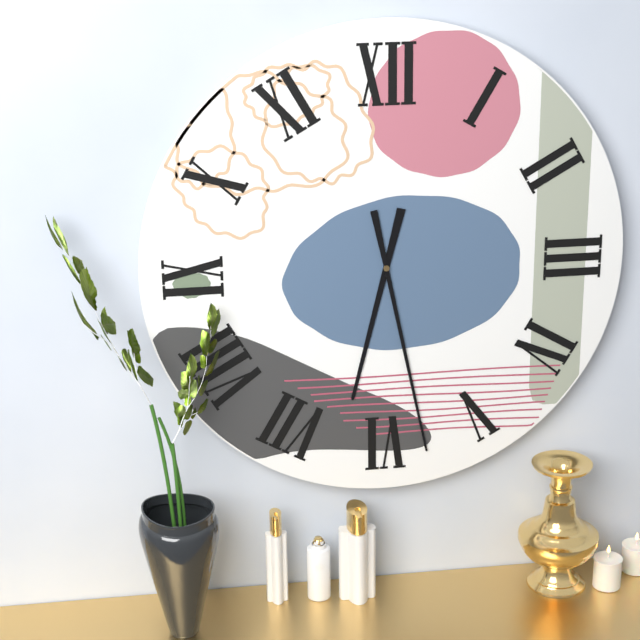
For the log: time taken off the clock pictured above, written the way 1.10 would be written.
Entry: 6.28
